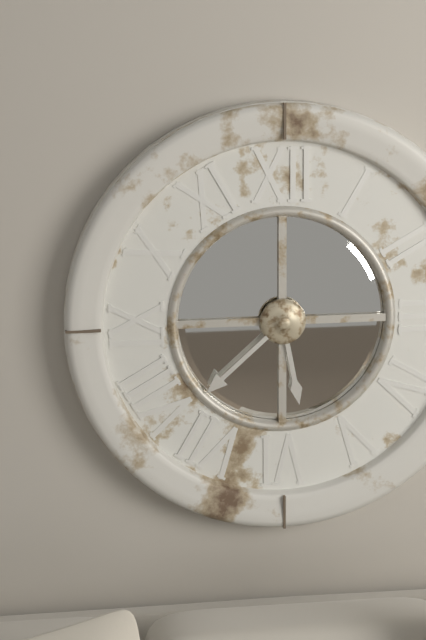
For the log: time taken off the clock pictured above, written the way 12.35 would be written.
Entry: 5.38
